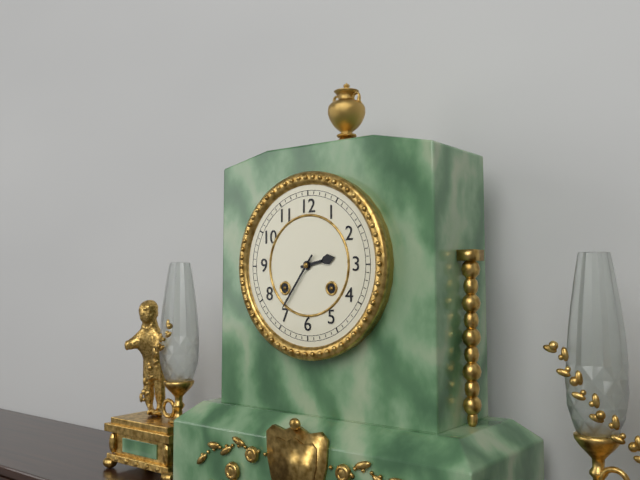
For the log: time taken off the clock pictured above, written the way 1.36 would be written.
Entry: 2.36
